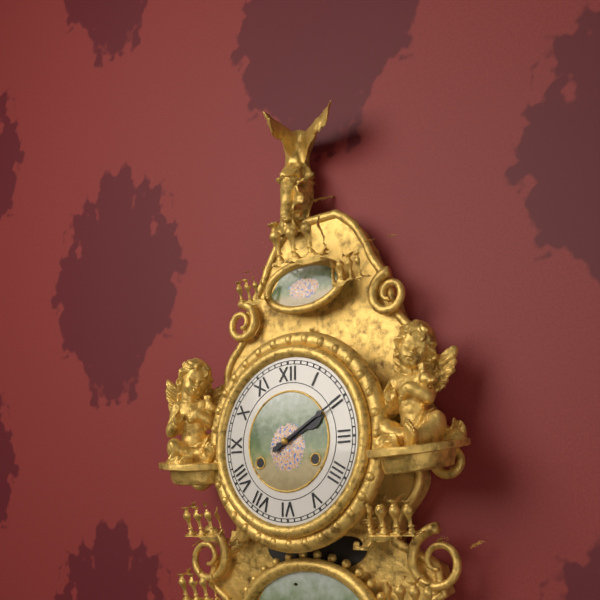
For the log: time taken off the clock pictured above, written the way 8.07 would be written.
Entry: 2.10
